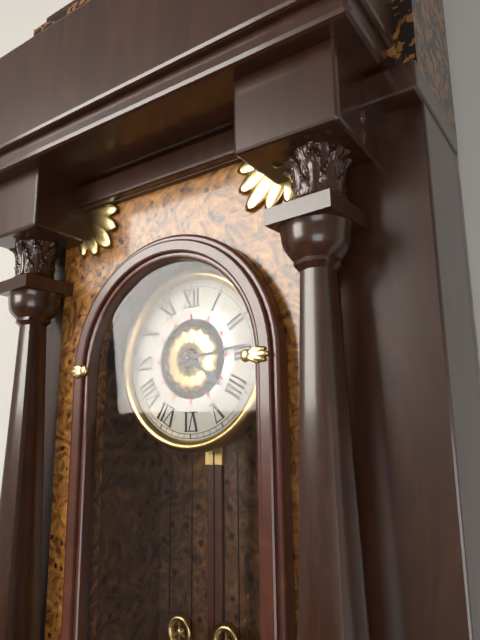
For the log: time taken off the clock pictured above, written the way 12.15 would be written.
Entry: 4.14
